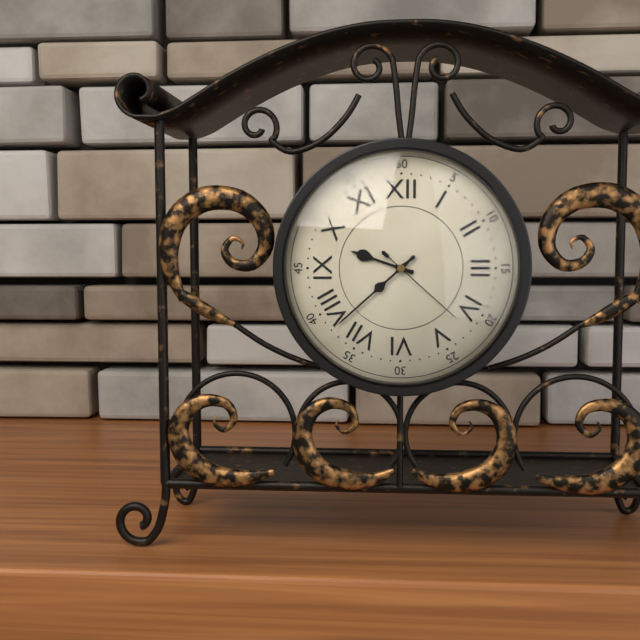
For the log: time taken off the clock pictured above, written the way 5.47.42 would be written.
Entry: 9.38.22
